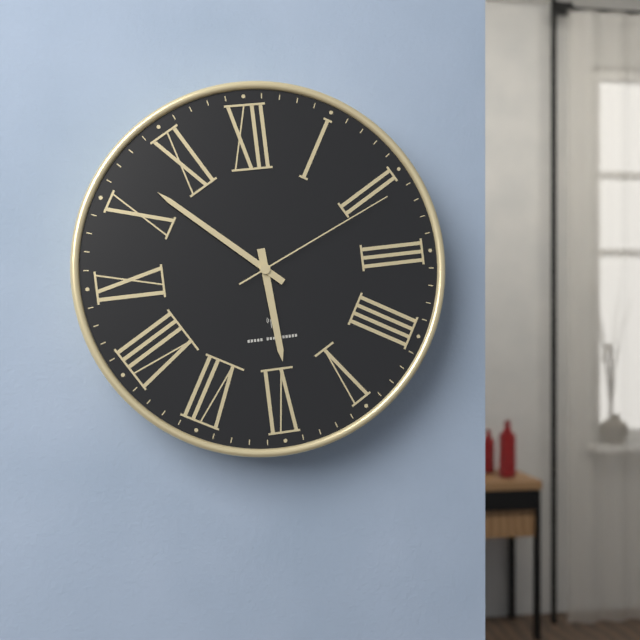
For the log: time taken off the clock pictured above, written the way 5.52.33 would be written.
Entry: 5.52.11
